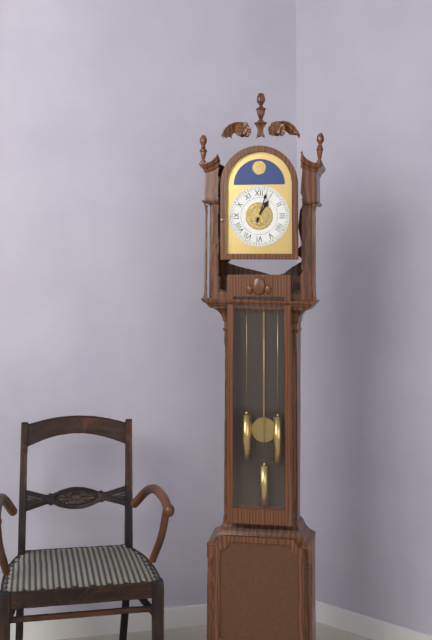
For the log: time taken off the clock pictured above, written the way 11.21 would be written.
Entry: 1.03
